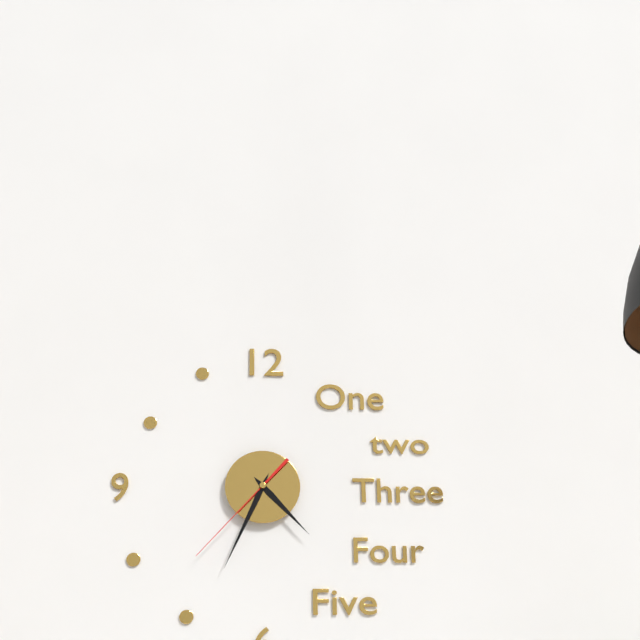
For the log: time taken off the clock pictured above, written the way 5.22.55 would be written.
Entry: 4.34.37
